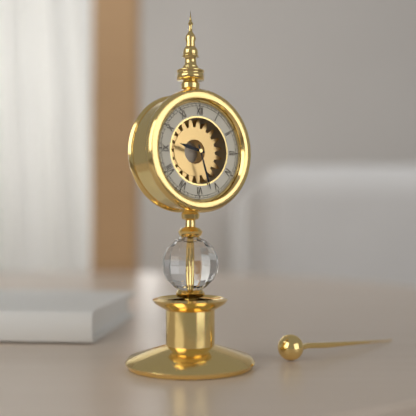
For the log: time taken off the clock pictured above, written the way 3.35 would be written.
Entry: 9.27
